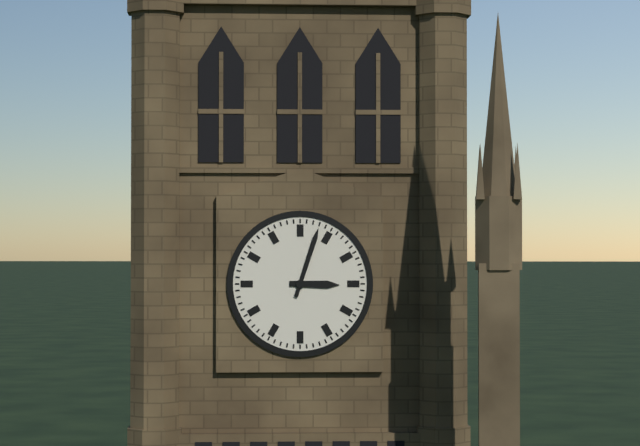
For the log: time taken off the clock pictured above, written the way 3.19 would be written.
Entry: 3.03
